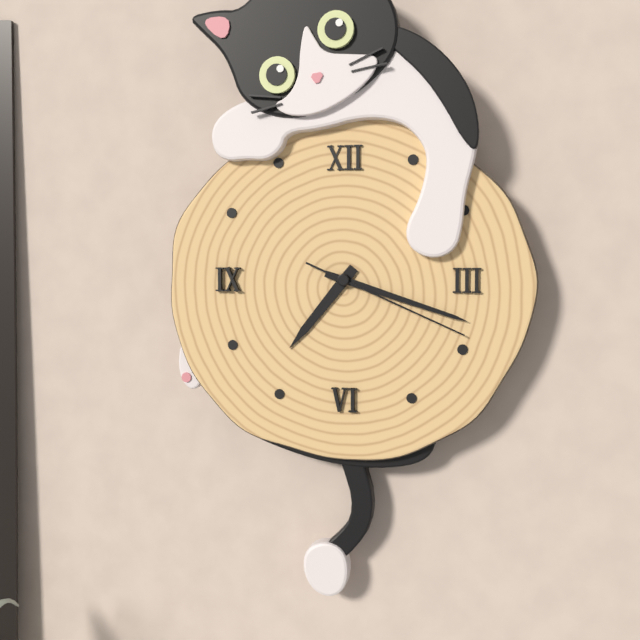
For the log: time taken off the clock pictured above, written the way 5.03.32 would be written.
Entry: 7.18.19
